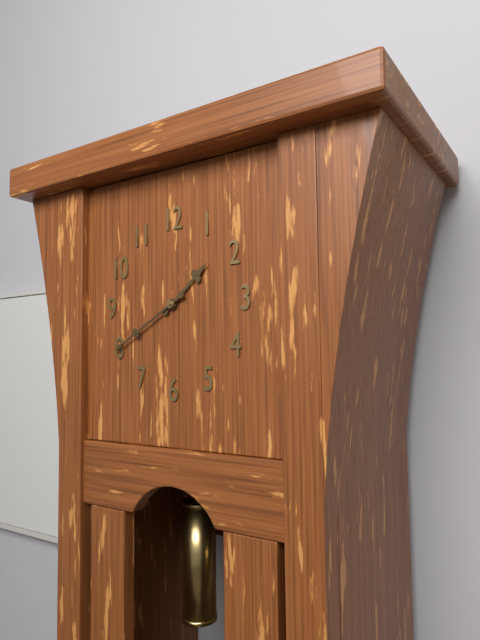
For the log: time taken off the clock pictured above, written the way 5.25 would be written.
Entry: 1.40
